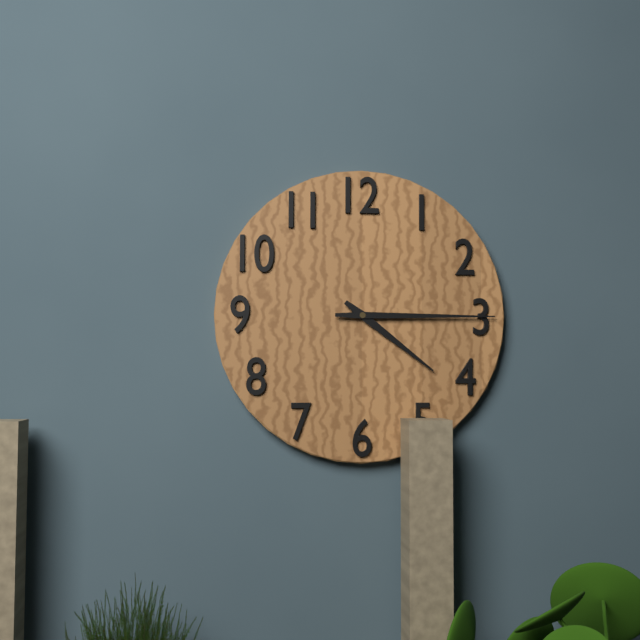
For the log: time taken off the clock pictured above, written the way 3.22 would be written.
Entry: 4.15
